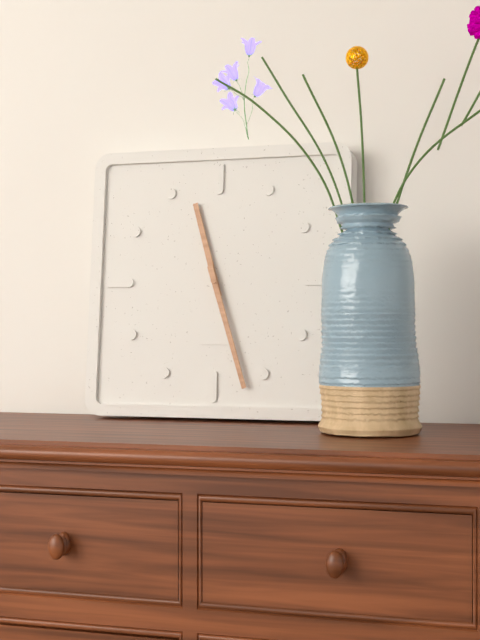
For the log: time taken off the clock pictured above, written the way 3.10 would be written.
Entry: 11.27
